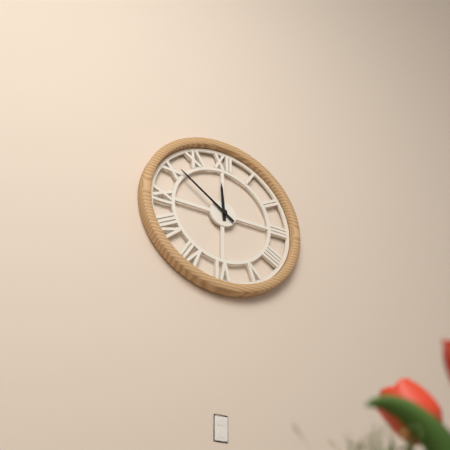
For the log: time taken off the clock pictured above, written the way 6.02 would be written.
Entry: 11.51
